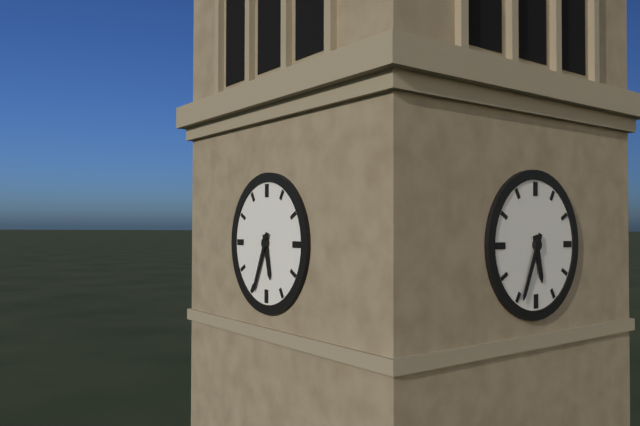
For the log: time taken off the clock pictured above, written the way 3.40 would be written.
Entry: 5.34
